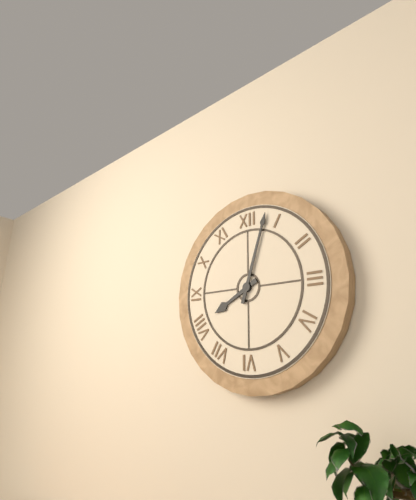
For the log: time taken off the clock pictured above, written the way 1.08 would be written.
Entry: 8.03
